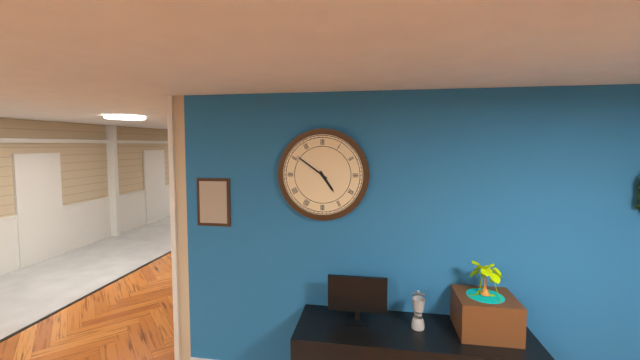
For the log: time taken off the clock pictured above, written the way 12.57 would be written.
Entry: 4.51
